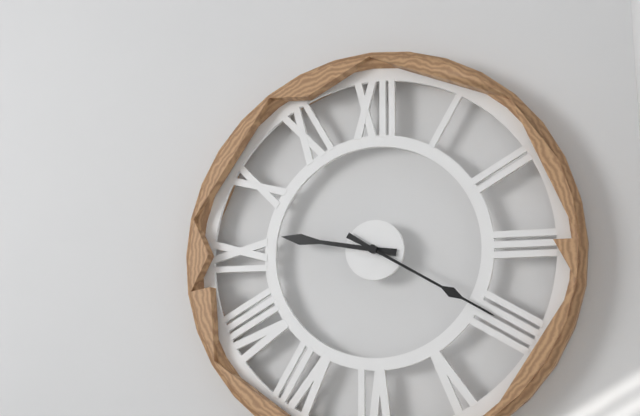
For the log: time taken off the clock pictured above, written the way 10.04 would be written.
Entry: 9.20
